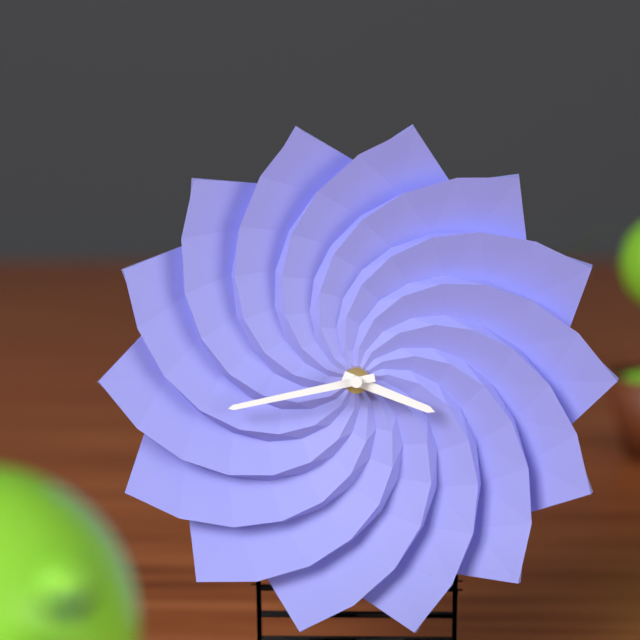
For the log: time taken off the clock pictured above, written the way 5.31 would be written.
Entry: 3.43
